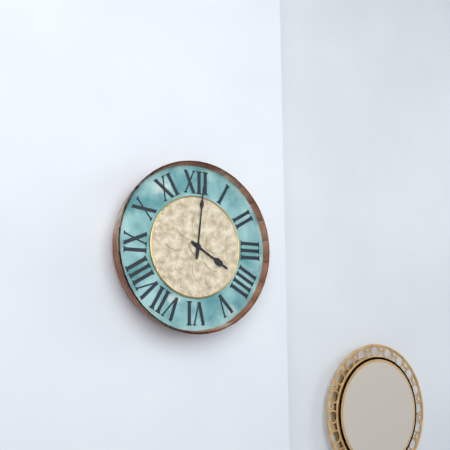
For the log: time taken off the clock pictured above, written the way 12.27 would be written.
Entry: 4.01
